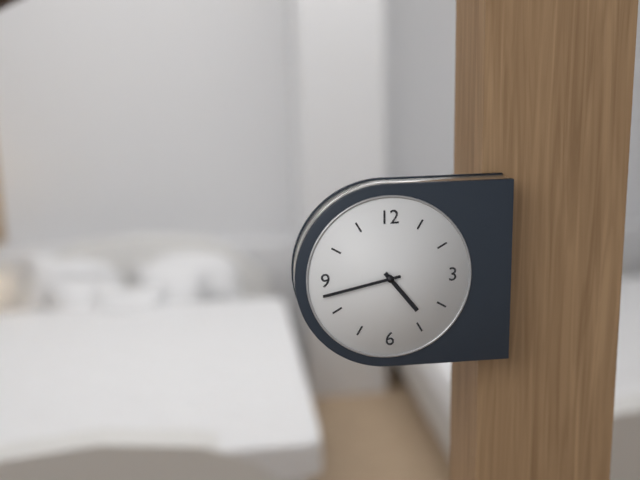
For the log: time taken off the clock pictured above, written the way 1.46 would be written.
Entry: 4.43
